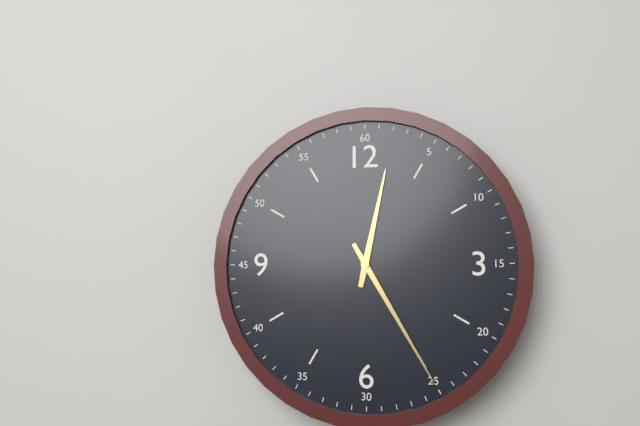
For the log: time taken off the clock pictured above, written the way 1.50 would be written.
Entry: 12.25
